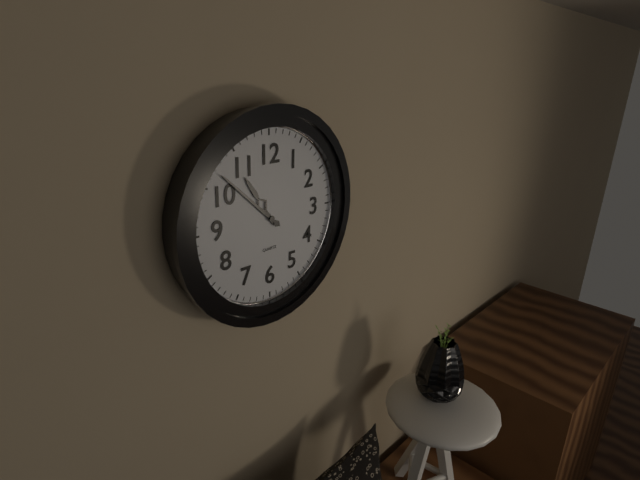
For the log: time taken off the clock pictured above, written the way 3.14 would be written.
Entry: 10.52
